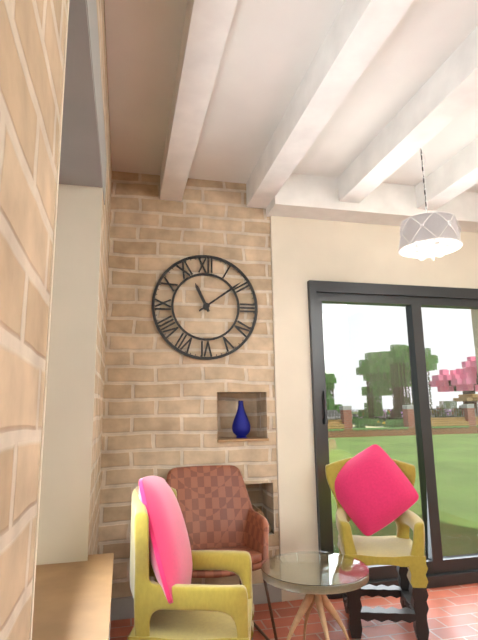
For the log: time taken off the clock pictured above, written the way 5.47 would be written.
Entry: 11.09
